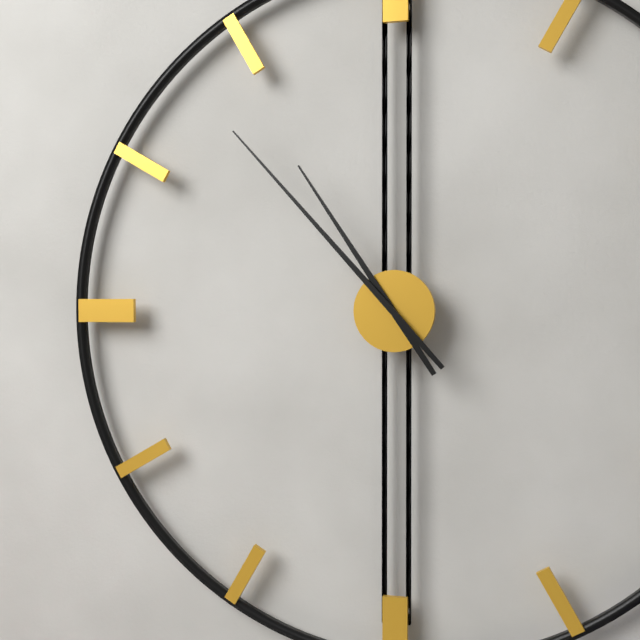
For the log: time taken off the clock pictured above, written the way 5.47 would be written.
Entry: 10.53
